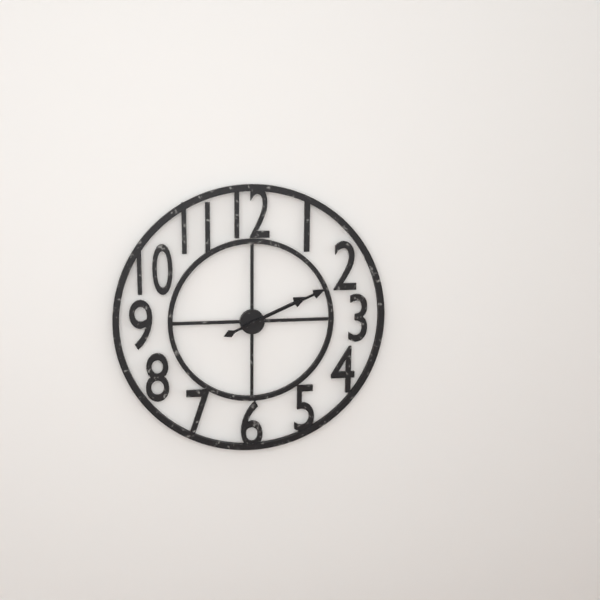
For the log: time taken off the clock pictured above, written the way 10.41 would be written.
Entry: 2.11
